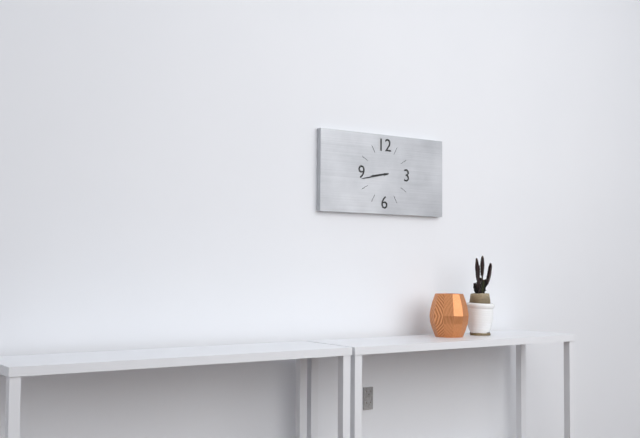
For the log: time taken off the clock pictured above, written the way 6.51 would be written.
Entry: 8.43
